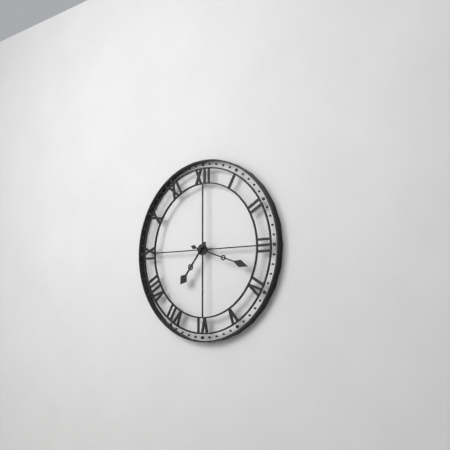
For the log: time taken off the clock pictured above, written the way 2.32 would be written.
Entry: 7.18
